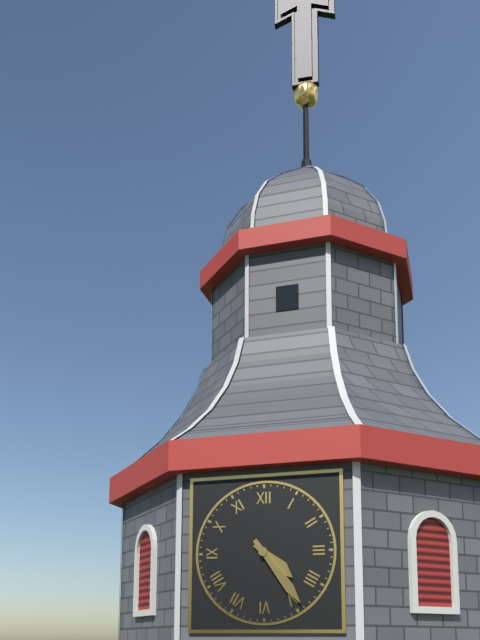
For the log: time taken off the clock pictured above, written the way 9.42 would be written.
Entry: 4.24
